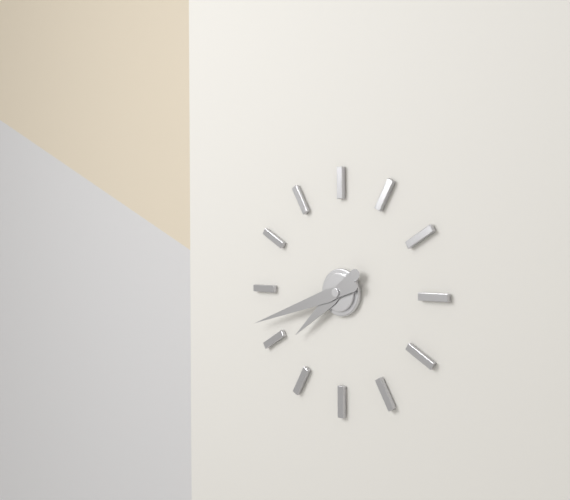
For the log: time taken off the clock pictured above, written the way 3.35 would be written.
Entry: 7.42
